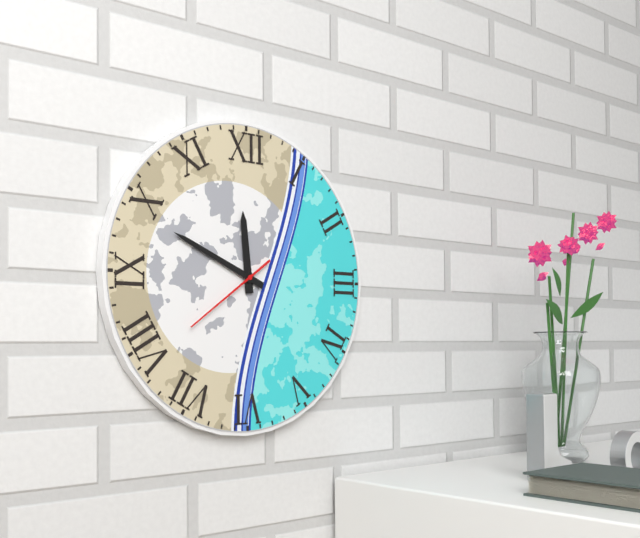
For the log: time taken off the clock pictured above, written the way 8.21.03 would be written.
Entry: 11.49.39
